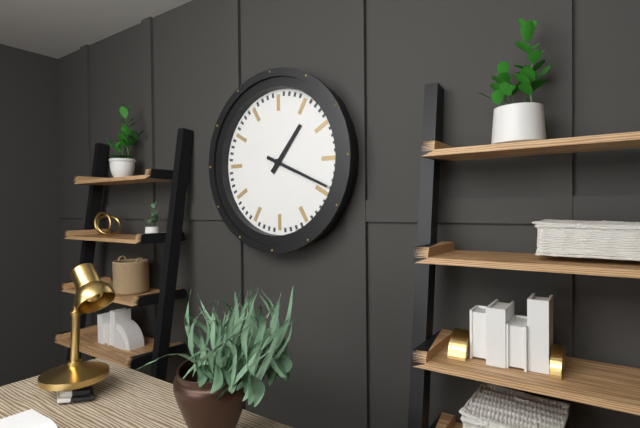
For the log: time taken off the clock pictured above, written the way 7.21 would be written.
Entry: 1.19
